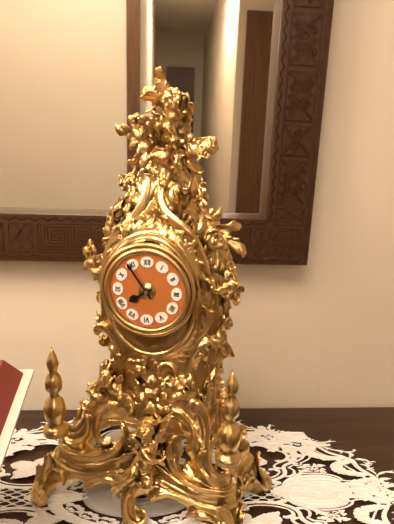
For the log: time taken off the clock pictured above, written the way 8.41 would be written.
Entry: 7.54
